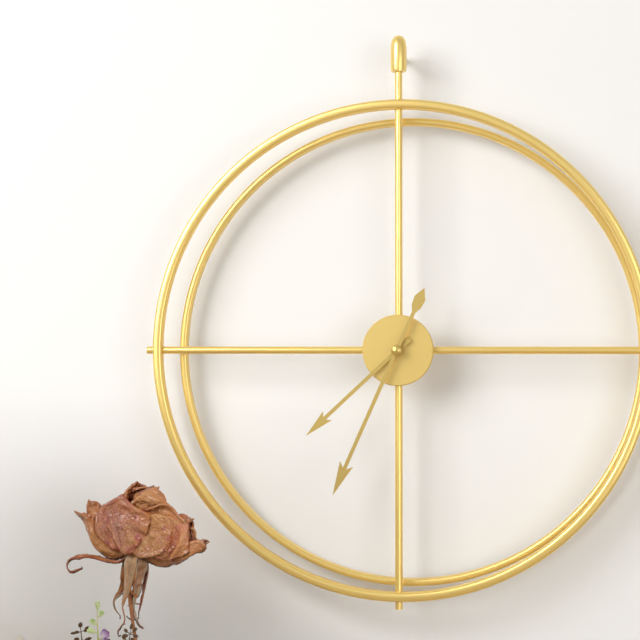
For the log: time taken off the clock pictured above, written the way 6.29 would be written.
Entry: 7.34
